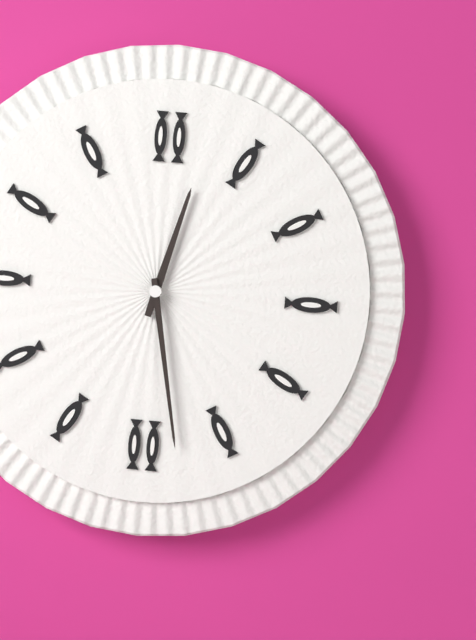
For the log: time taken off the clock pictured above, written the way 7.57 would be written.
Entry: 12.28
